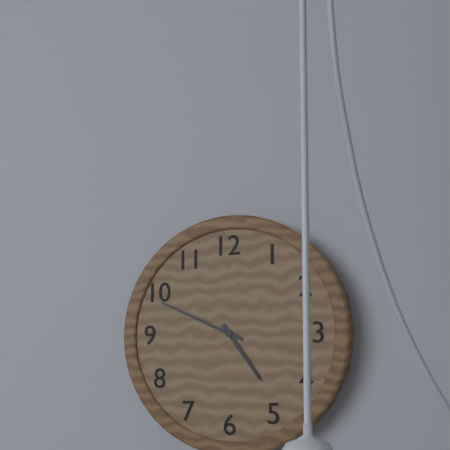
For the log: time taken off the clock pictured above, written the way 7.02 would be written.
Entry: 4.49
